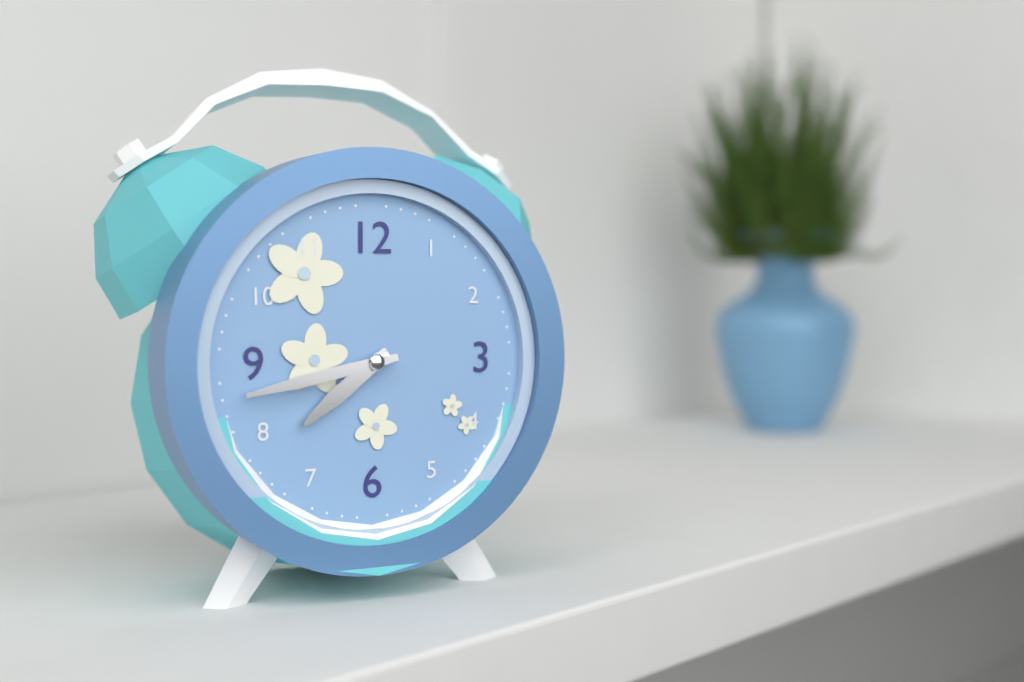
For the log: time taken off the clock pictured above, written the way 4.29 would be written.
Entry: 7.43
